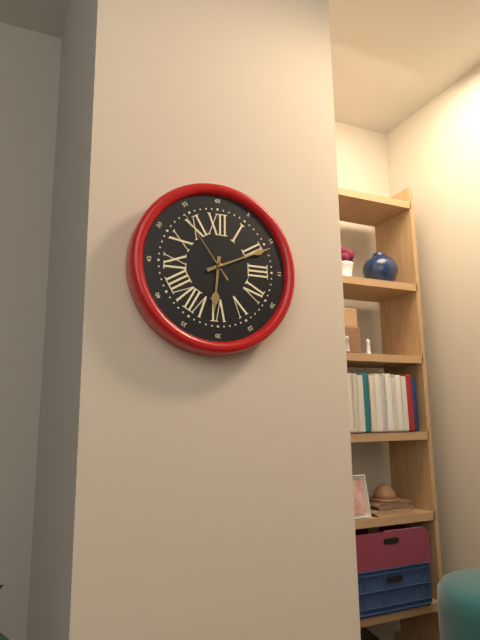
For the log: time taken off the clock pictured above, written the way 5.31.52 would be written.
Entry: 6.11.54
